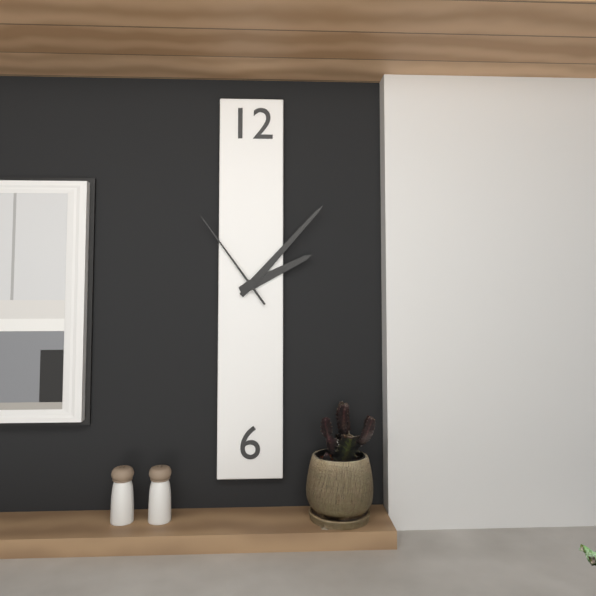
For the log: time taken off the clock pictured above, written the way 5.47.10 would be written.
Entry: 2.07.54
